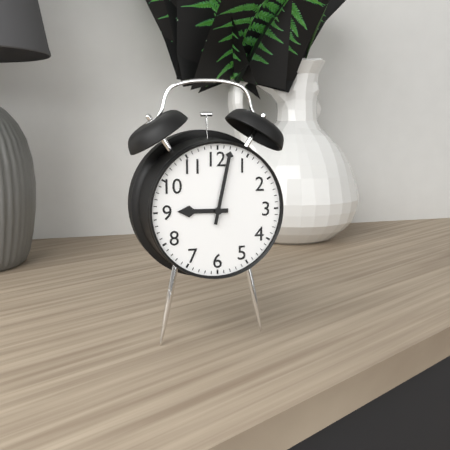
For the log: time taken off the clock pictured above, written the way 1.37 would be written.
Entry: 9.02
